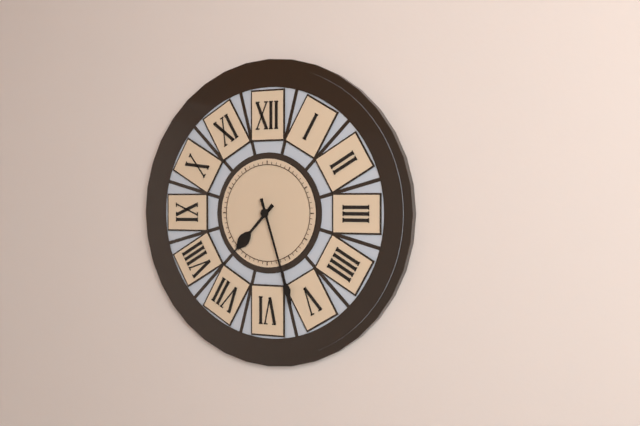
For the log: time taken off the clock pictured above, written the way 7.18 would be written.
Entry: 7.27
